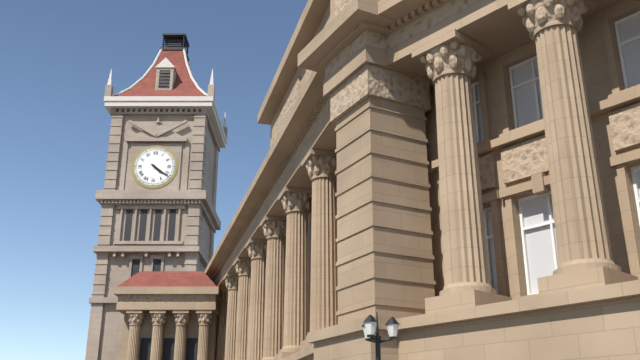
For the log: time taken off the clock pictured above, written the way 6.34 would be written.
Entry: 4.21
